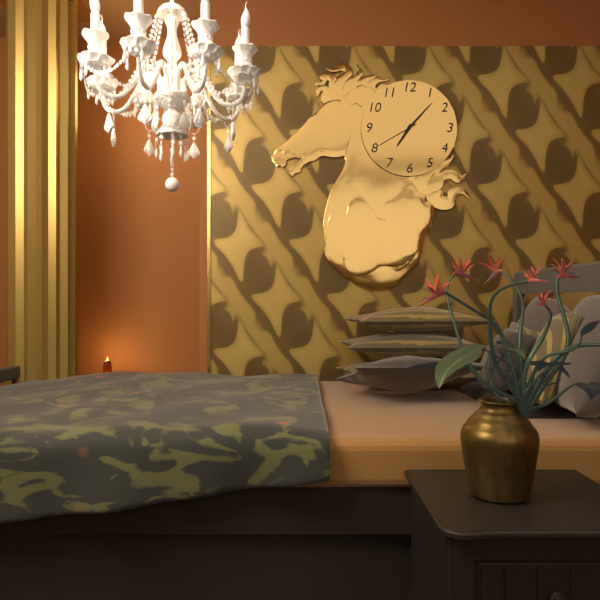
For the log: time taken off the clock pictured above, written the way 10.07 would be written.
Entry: 7.07
